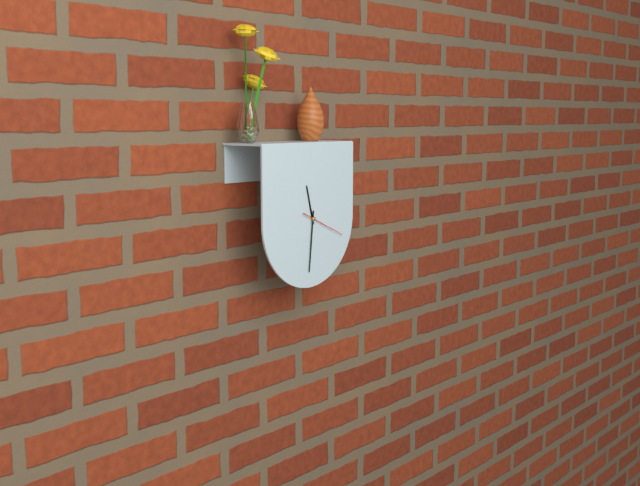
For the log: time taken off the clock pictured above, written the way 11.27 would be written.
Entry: 11.31
